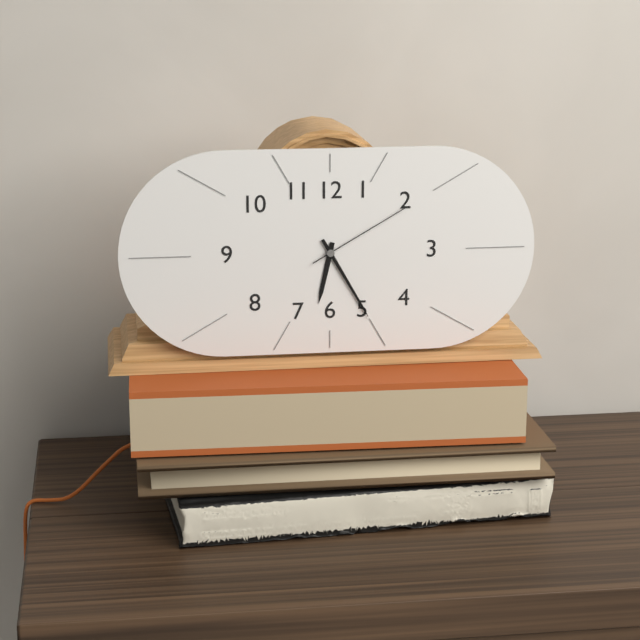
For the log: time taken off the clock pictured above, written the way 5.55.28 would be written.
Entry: 6.25.10
